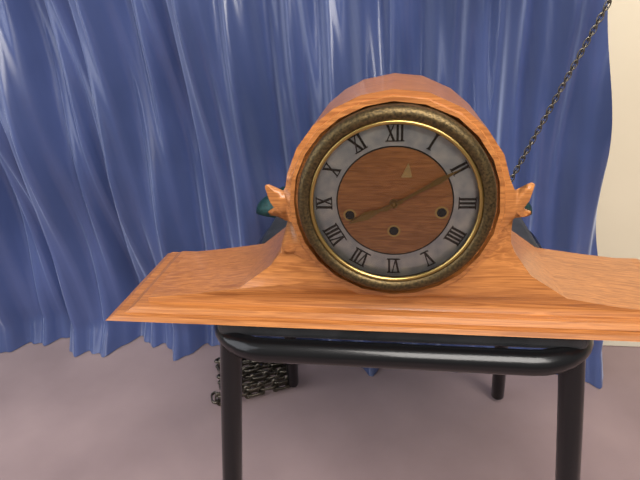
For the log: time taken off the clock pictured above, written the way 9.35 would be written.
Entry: 8.10
